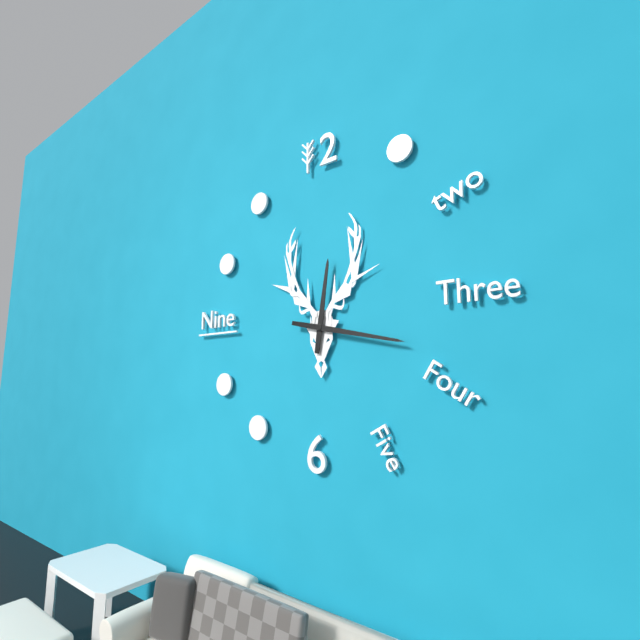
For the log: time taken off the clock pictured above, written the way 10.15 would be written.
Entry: 12.17
